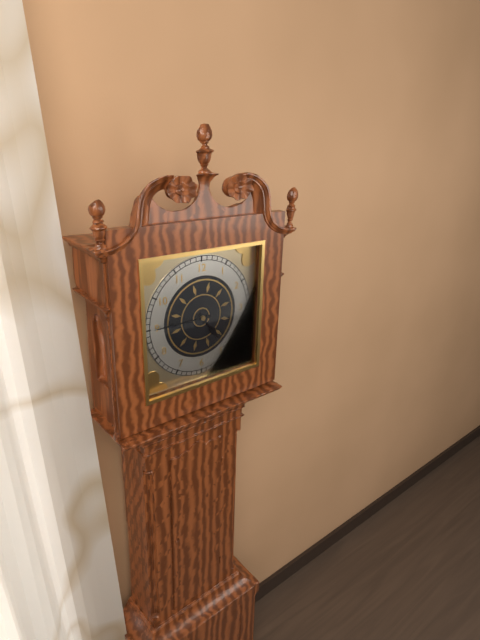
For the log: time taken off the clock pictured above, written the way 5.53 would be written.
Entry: 4.45
